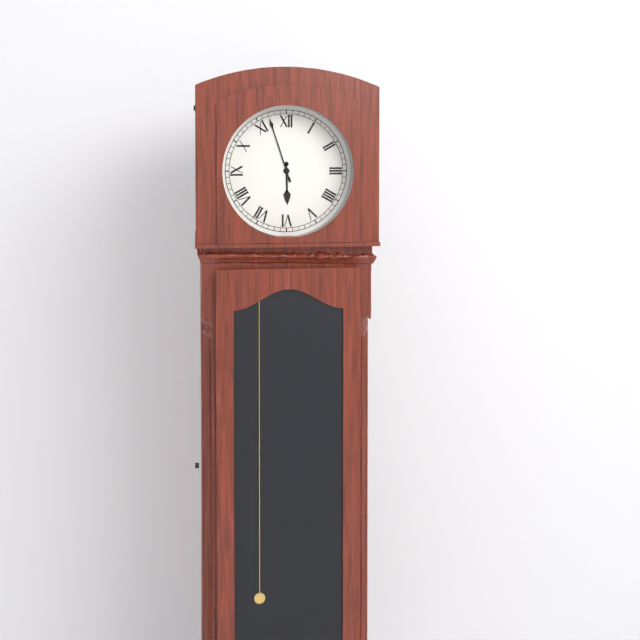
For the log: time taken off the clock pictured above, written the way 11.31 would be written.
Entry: 5.57
